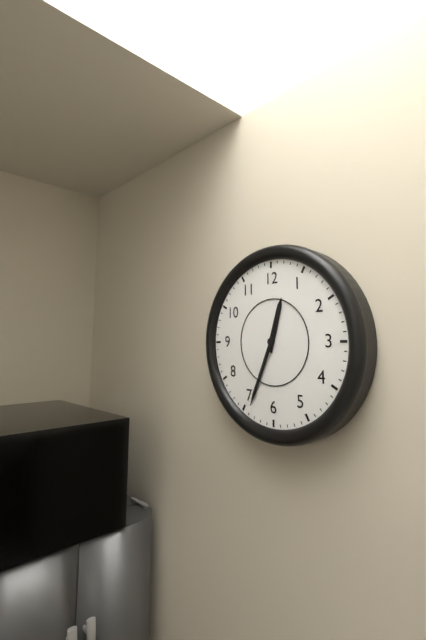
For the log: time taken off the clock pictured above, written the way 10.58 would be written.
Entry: 12.34
